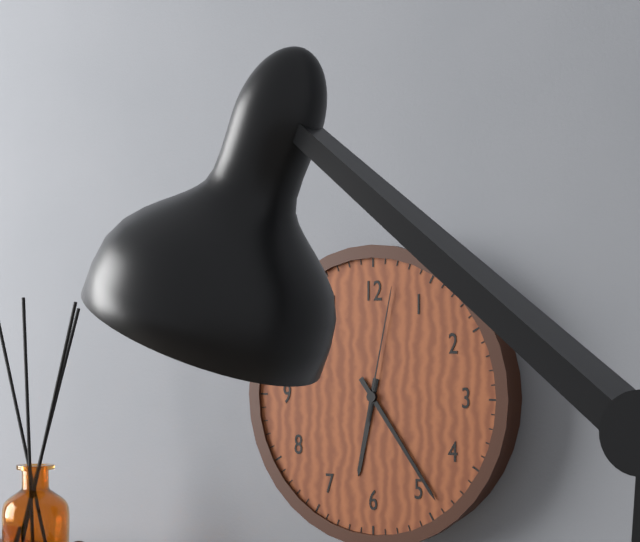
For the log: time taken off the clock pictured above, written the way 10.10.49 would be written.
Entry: 6.24.02
